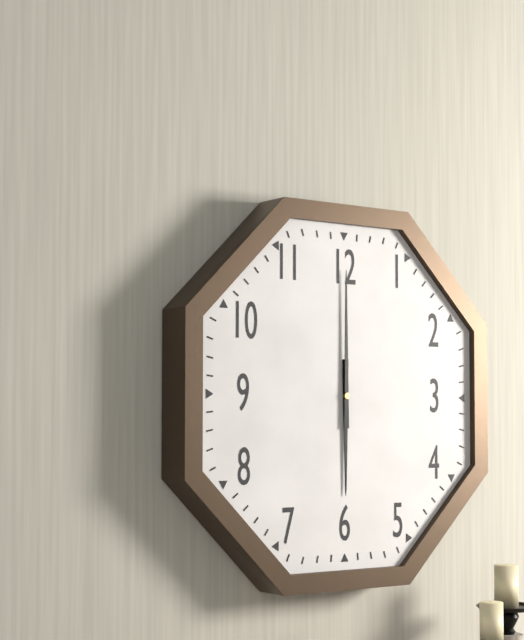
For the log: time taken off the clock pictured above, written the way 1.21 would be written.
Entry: 6.00
